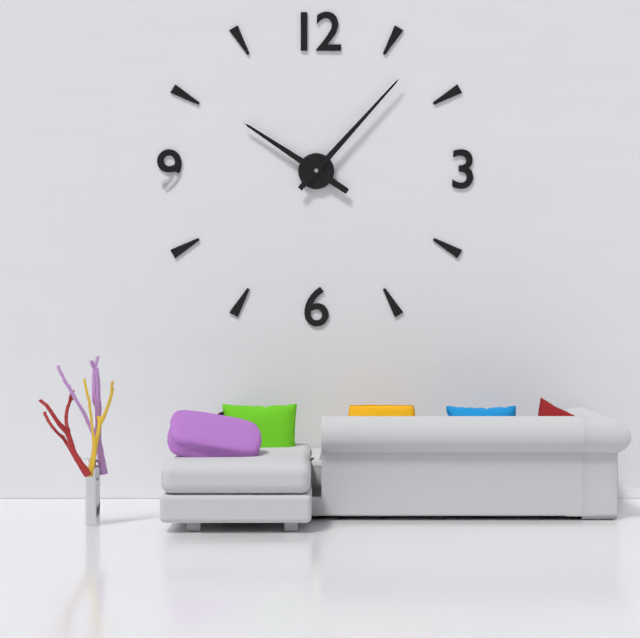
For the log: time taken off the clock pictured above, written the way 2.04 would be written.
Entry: 10.07
